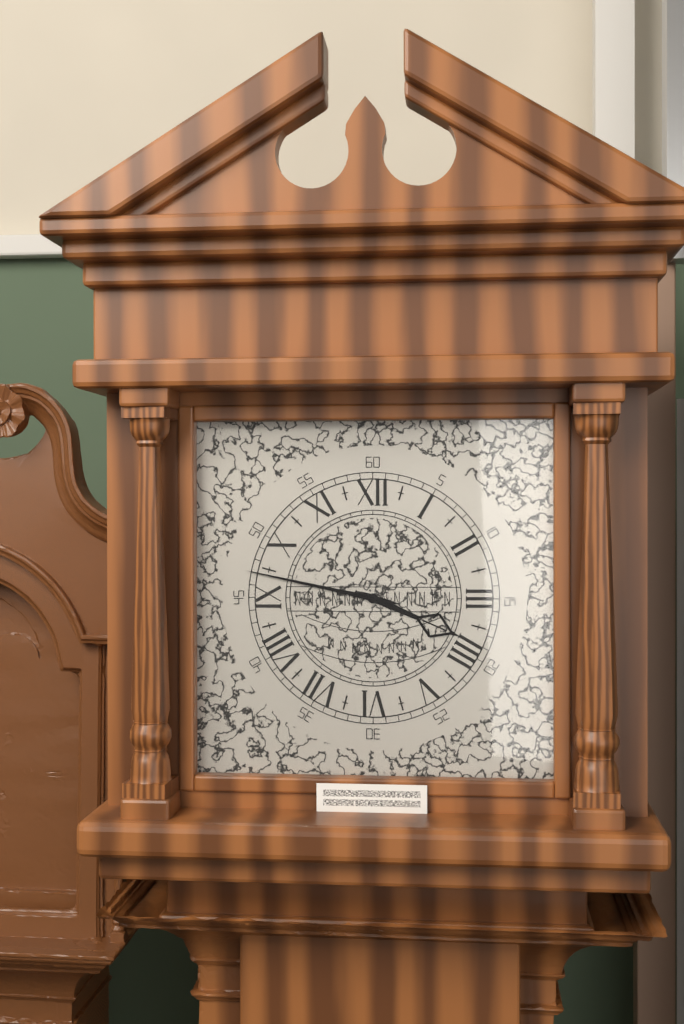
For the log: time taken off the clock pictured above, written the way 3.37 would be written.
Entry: 3.47
